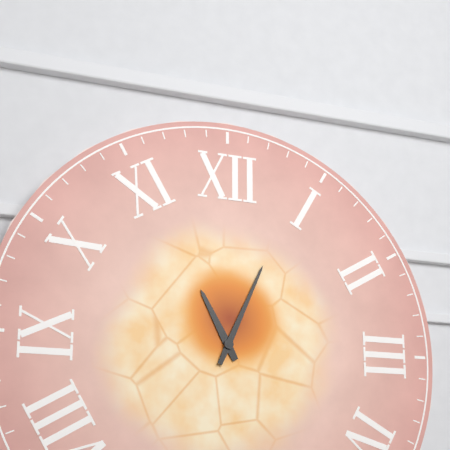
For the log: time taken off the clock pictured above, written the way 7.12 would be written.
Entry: 11.04
